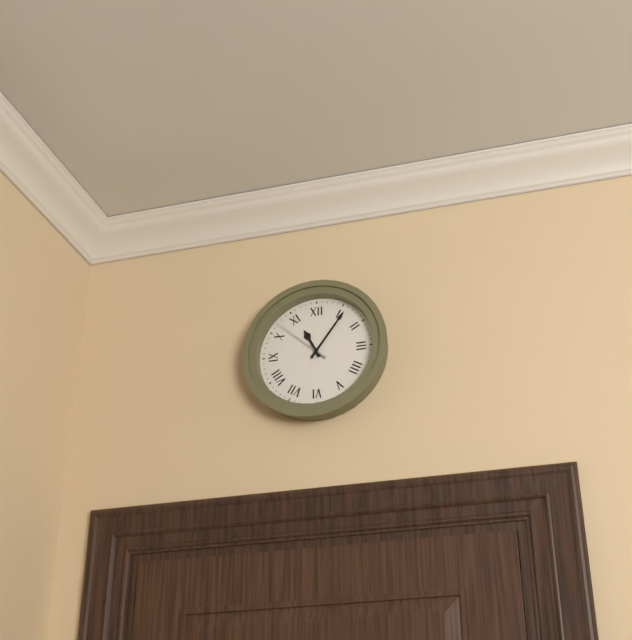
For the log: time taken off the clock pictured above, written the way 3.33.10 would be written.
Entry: 11.06.52
